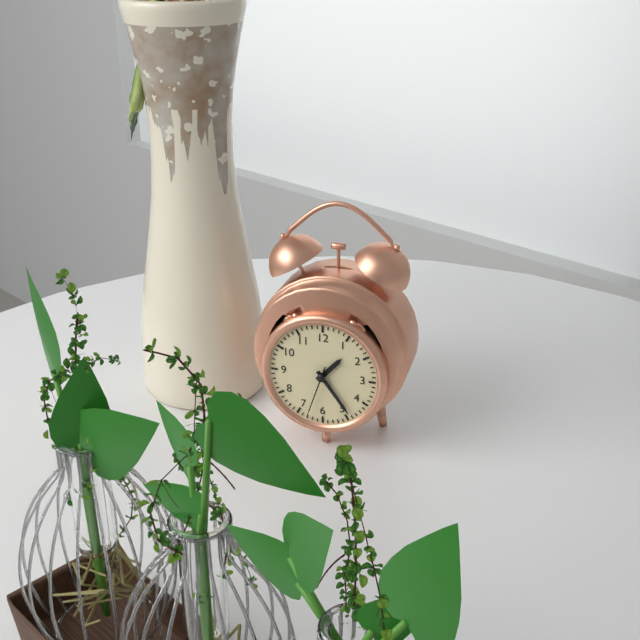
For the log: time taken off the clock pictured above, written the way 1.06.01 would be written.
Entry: 1.24.33
